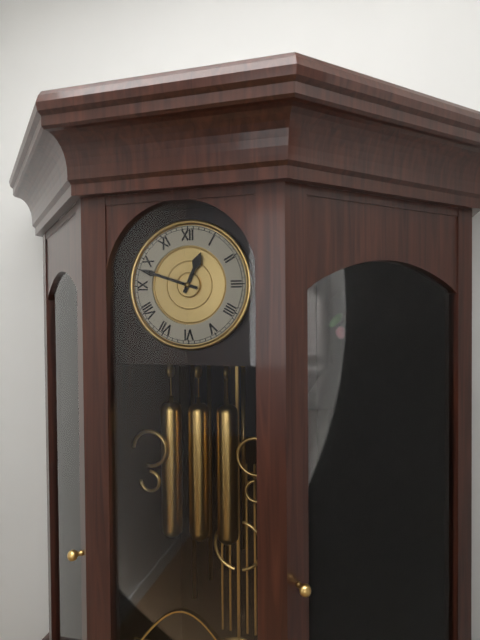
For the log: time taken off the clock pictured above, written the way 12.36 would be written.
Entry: 12.48
